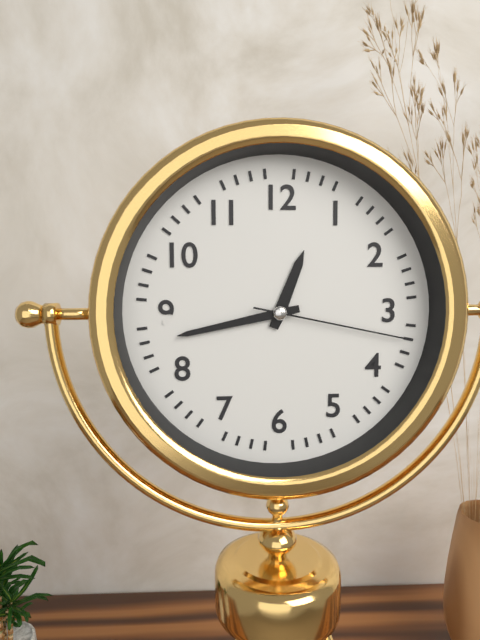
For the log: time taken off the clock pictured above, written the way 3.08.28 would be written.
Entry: 12.43.17
